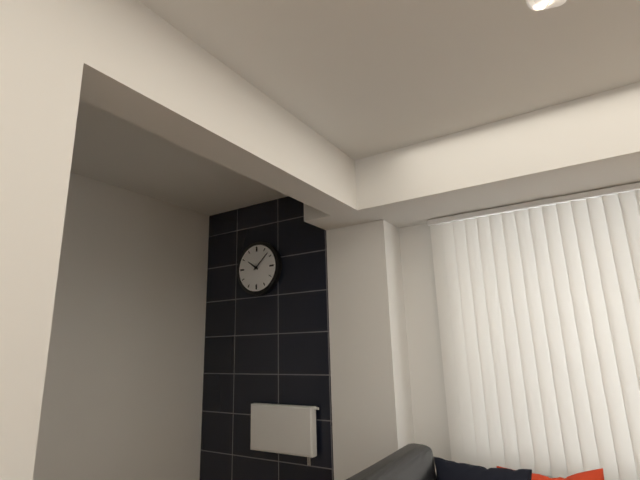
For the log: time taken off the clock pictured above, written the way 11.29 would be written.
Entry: 10.08
